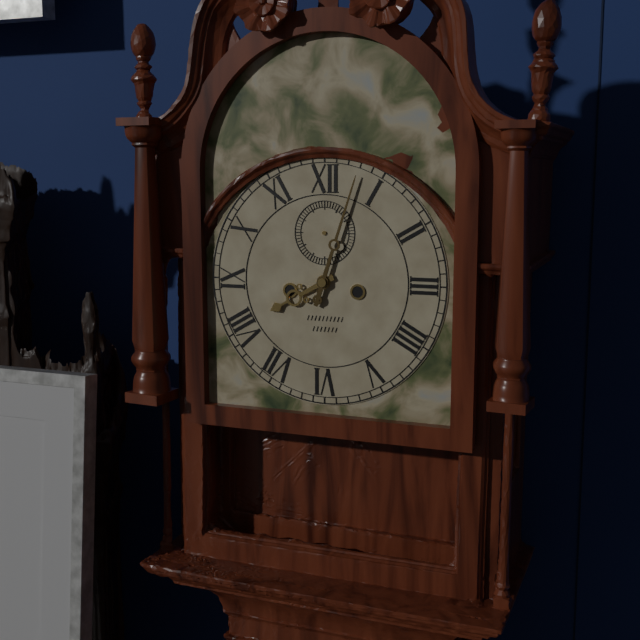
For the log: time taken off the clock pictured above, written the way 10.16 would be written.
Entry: 8.03
